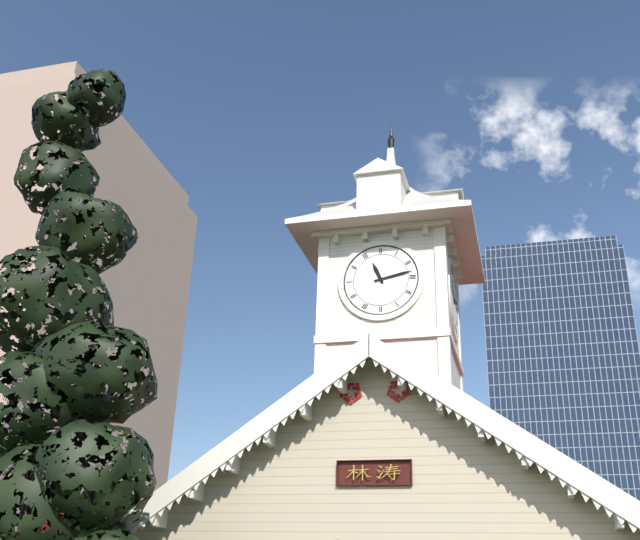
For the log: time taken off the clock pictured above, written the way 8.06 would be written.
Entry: 11.13
